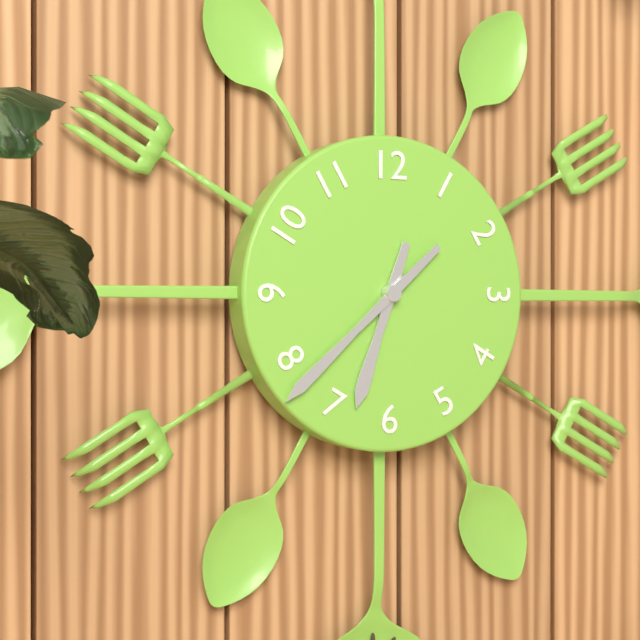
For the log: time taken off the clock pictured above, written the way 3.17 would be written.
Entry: 6.38
